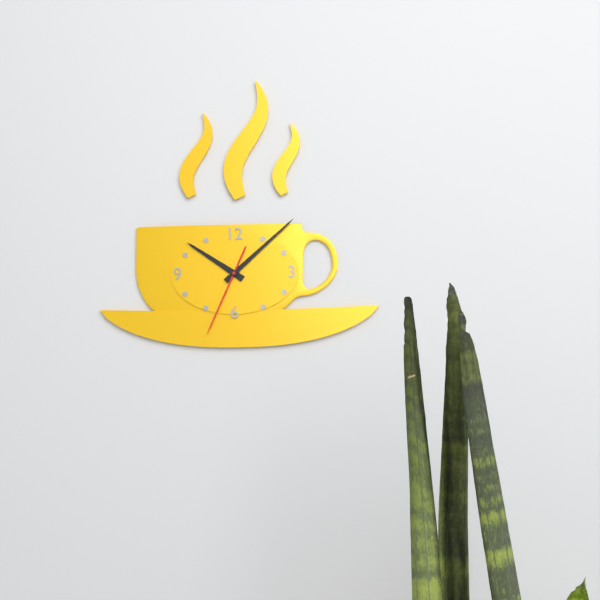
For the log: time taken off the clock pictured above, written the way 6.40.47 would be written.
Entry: 10.08.34
